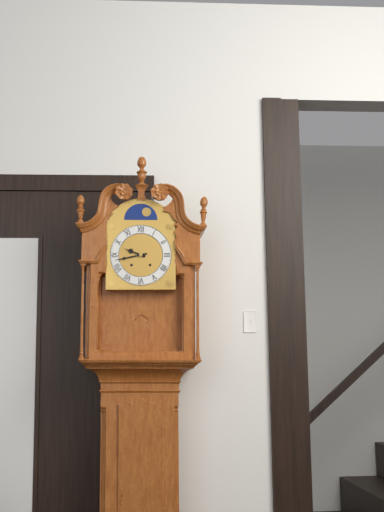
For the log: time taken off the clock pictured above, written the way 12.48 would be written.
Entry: 9.43
